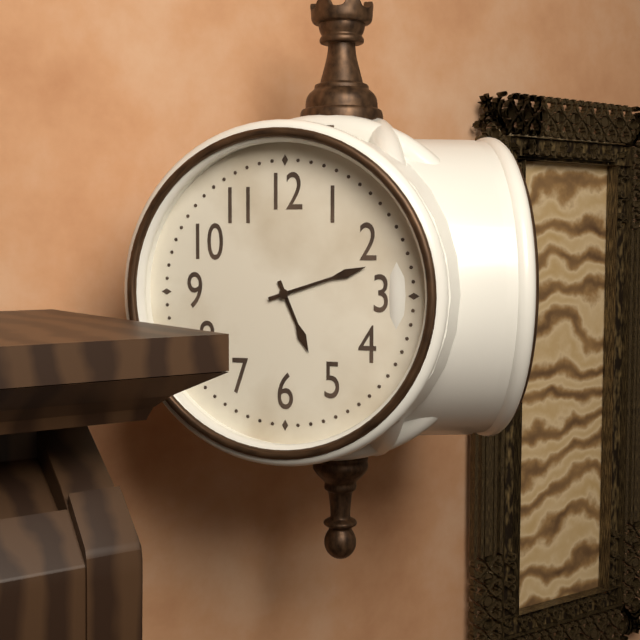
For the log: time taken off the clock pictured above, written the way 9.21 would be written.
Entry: 5.12
